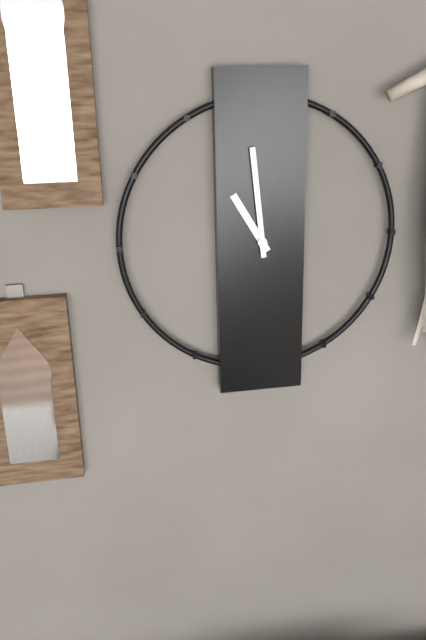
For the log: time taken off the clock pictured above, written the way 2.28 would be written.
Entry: 10.59
